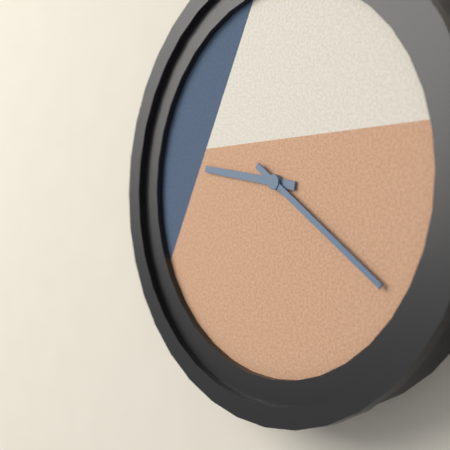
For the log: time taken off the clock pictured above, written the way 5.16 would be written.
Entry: 9.21
